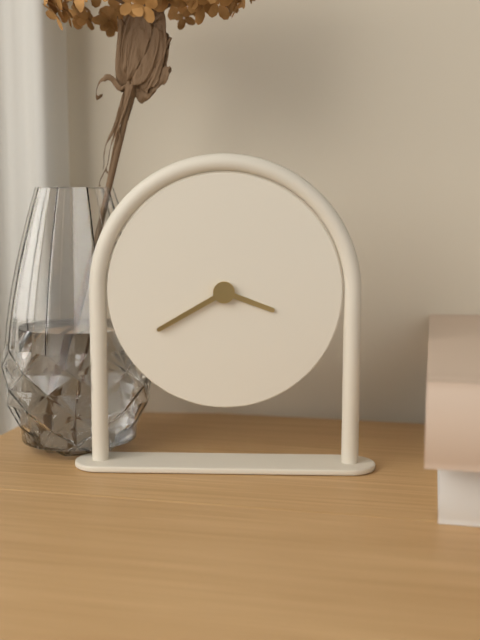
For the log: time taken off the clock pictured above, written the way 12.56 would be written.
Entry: 3.40
